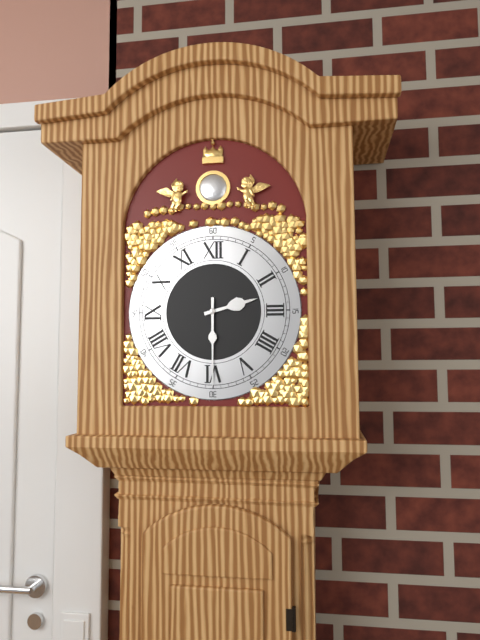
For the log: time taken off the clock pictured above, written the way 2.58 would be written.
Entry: 2.30
